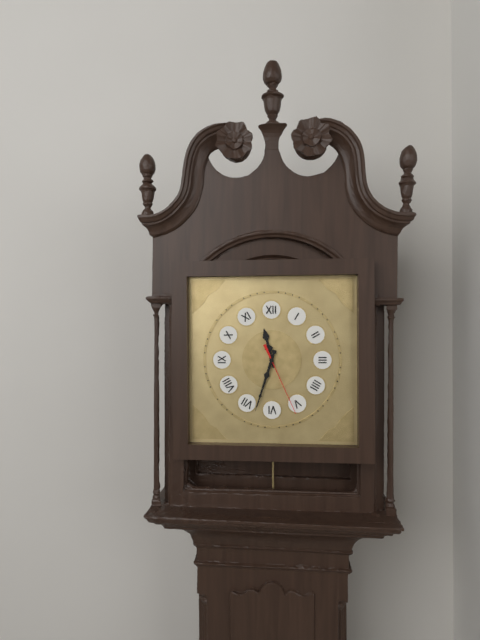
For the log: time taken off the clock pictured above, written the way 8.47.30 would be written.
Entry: 11.33.26
